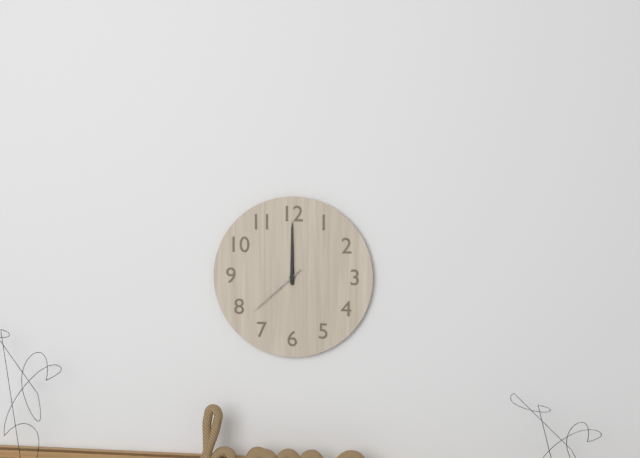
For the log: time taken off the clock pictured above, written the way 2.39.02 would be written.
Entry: 12.00.38
